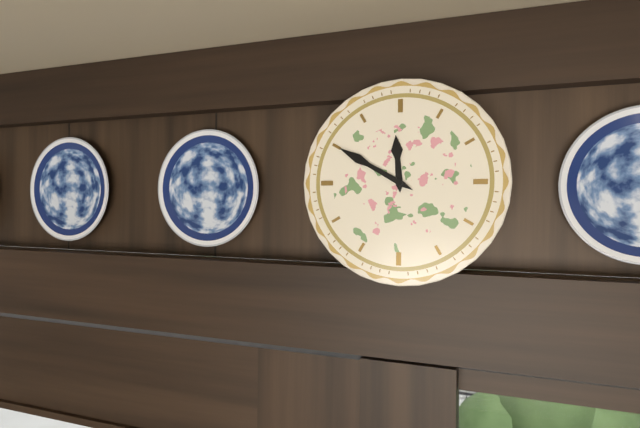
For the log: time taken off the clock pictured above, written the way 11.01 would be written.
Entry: 11.50
